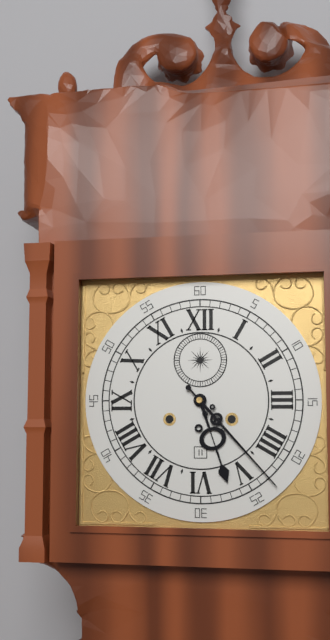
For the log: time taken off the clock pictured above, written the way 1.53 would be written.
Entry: 5.23
